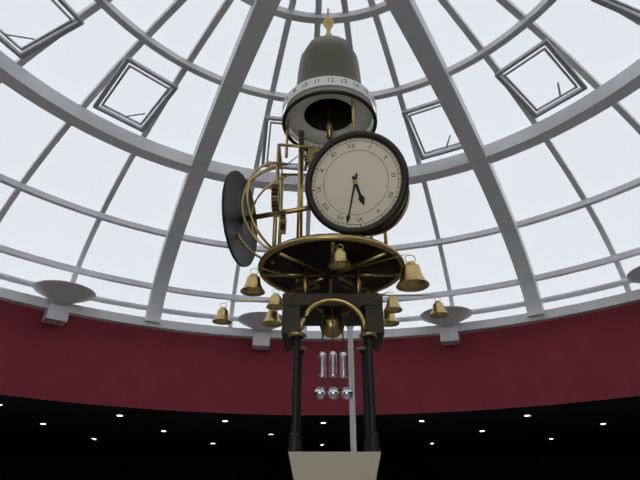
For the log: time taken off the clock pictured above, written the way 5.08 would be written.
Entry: 5.33
